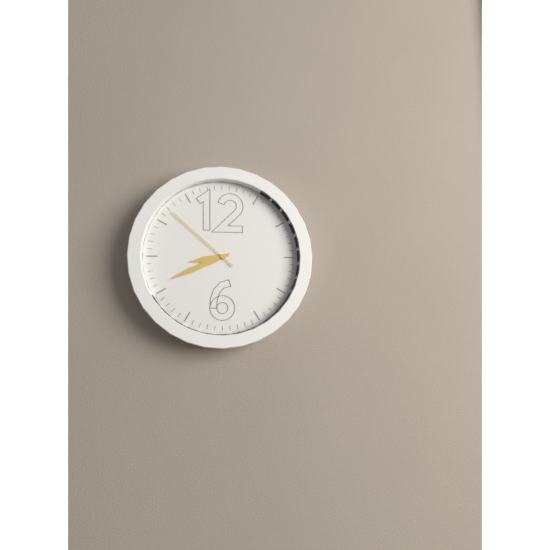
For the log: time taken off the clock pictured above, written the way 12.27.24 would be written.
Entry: 8.41.52
